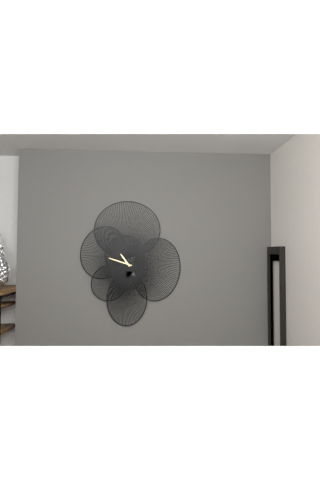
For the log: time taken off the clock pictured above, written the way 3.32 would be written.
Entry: 10.48
